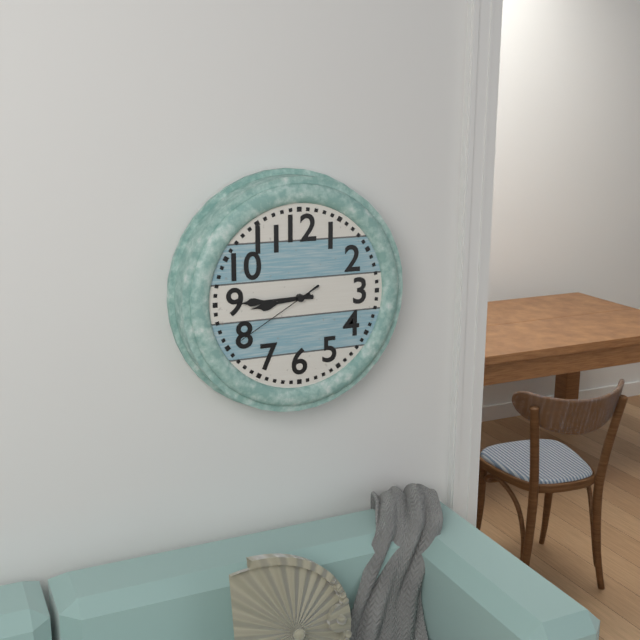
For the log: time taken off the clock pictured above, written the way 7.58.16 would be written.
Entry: 8.45.40
